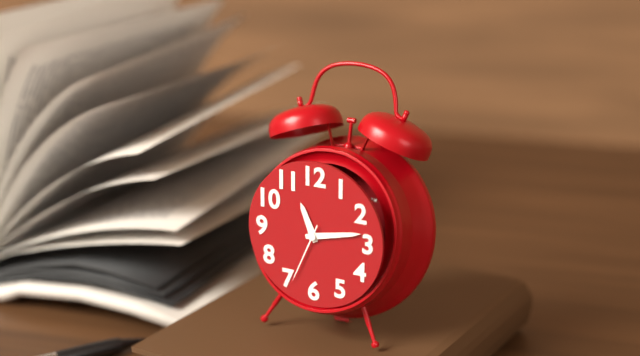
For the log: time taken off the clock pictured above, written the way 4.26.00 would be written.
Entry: 11.13.34
